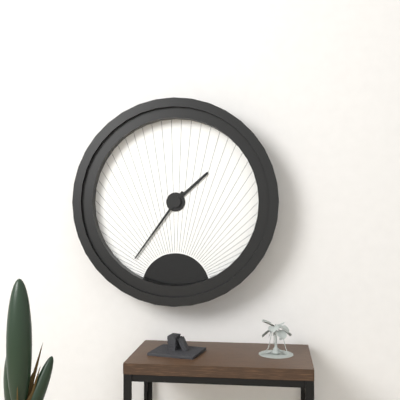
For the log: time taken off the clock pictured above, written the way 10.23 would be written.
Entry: 1.36
